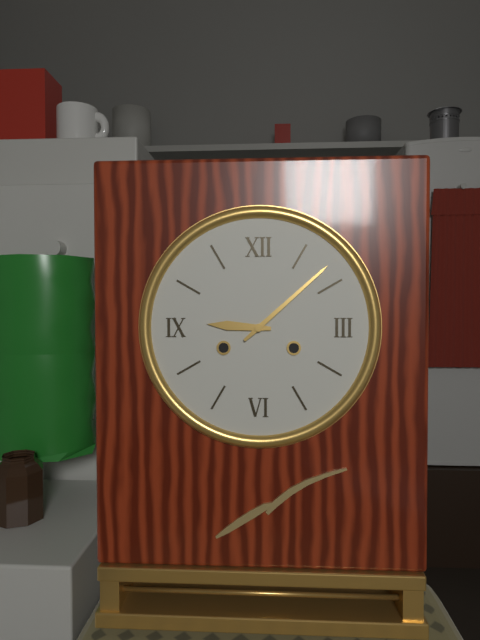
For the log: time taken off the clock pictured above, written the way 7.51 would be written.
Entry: 9.08
